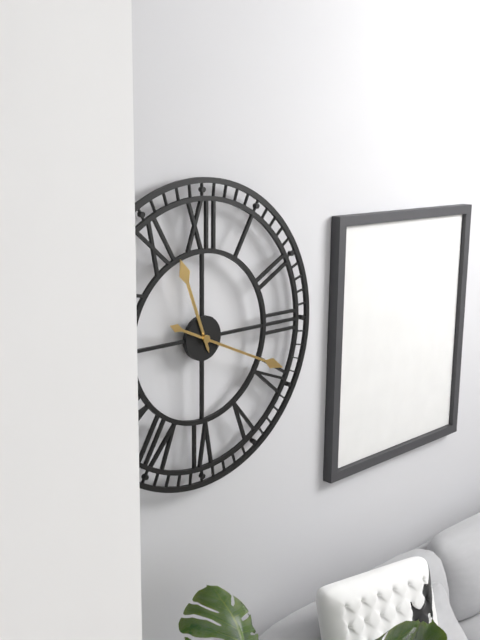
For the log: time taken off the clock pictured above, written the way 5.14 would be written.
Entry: 11.19
